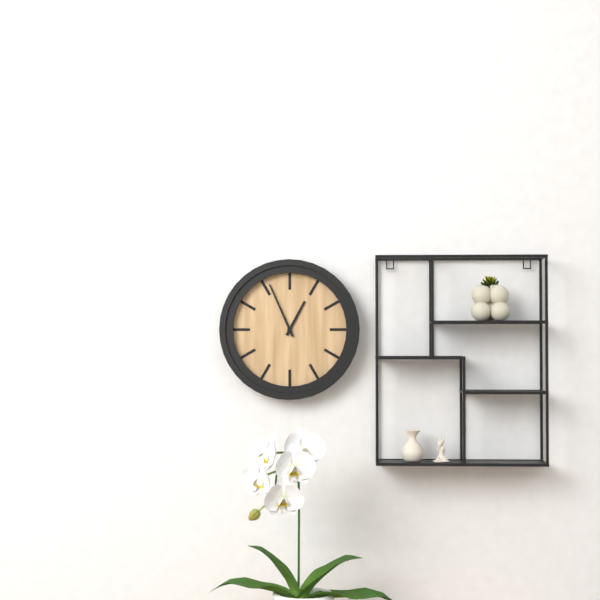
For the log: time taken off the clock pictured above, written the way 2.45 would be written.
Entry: 12.56
